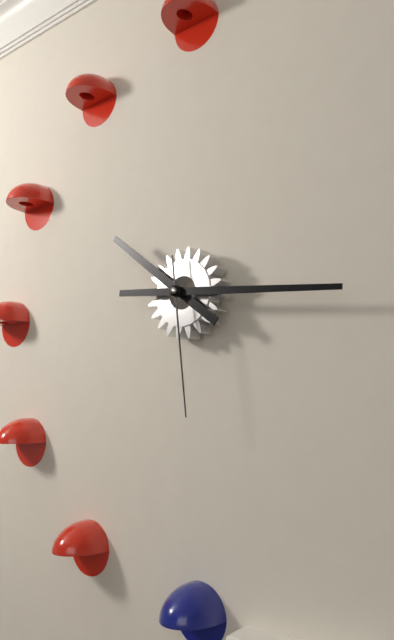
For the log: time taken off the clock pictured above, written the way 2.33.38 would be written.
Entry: 10.16.29
